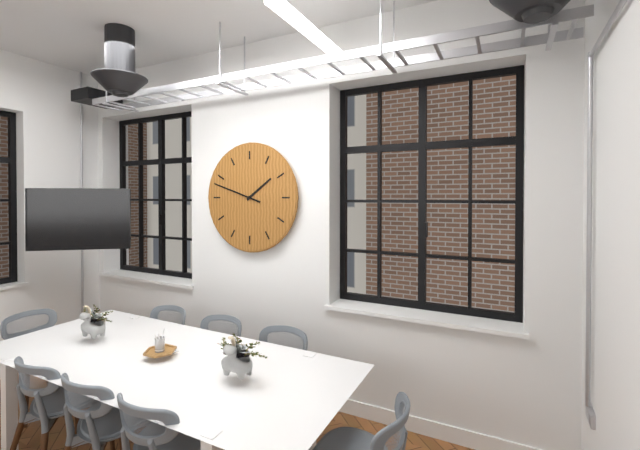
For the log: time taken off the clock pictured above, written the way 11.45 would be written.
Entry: 1.48
